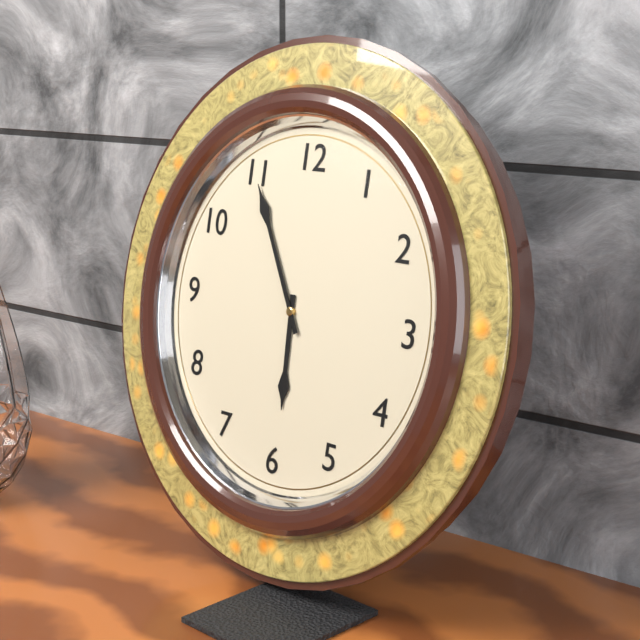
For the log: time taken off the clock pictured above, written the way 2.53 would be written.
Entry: 5.55
